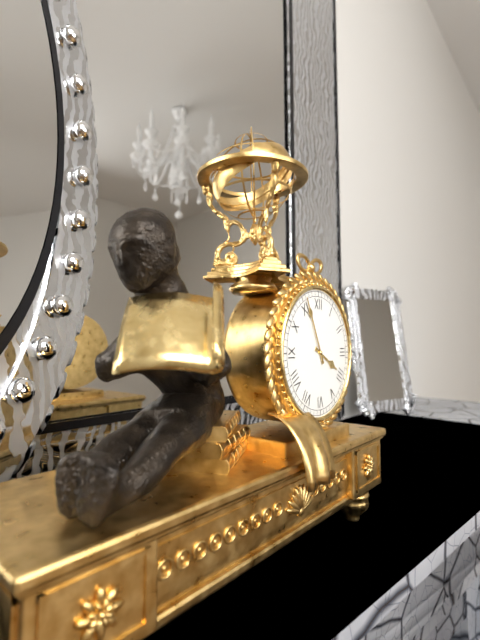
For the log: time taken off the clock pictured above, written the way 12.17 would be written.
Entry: 3.56
